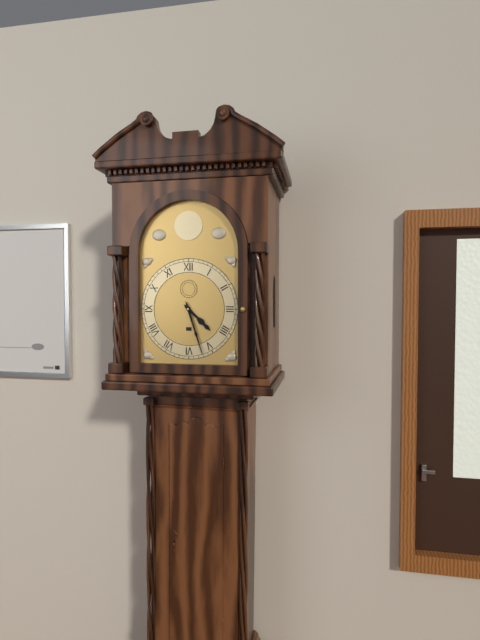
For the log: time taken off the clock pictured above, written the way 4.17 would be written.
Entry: 4.27
